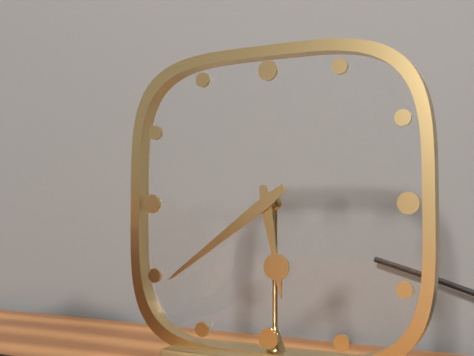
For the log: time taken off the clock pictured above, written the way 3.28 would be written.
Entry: 5.39
